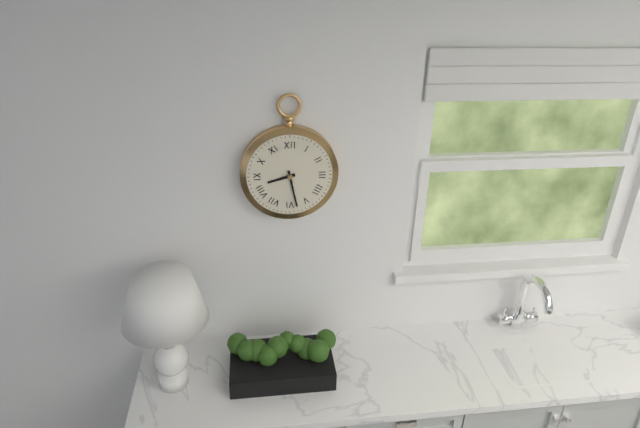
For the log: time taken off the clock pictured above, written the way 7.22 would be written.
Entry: 8.28
